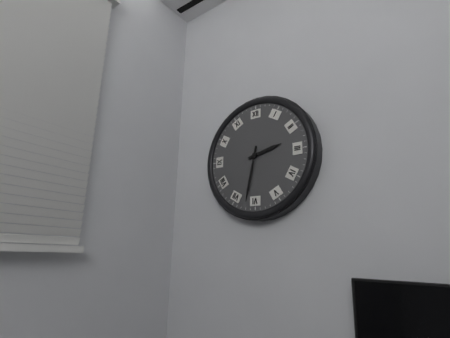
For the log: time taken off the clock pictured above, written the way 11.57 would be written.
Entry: 2.32
